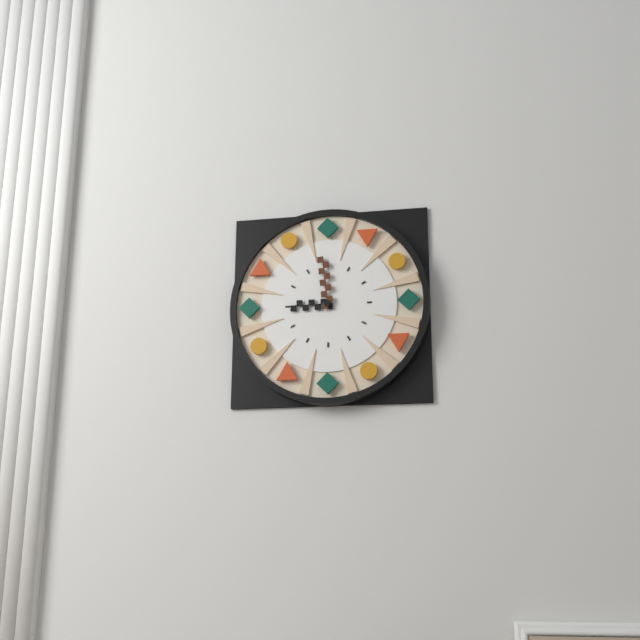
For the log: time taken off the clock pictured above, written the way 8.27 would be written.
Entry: 8.59
